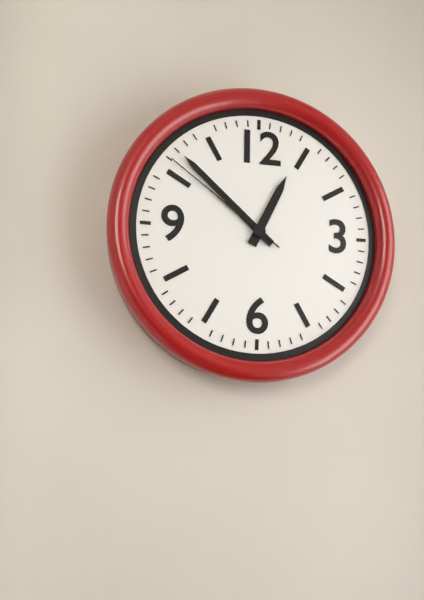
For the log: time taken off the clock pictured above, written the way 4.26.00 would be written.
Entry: 12.52.51
